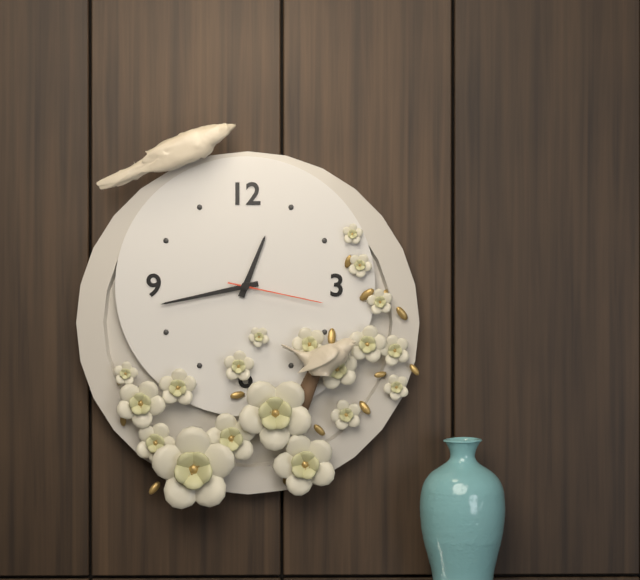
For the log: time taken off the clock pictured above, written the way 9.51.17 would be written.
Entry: 12.43.17
